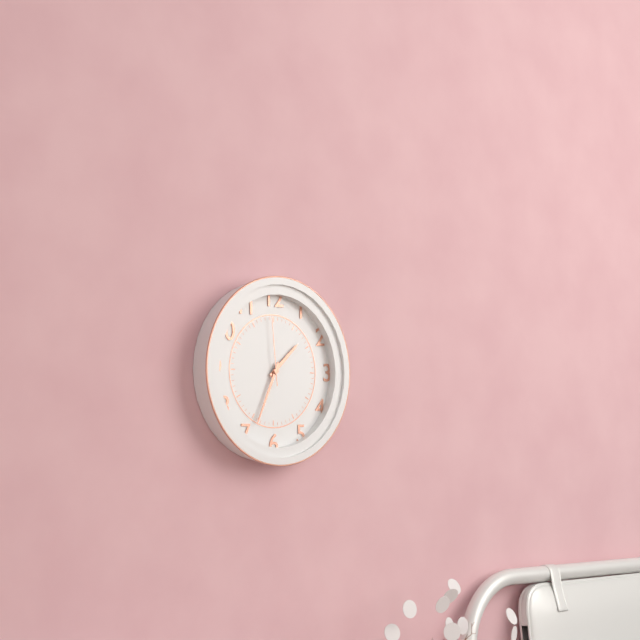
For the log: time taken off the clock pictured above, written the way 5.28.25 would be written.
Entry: 1.34.59
